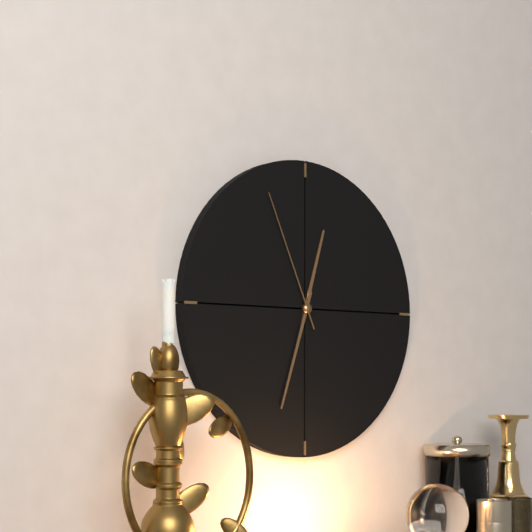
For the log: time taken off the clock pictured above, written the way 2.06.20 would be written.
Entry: 12.33.56
